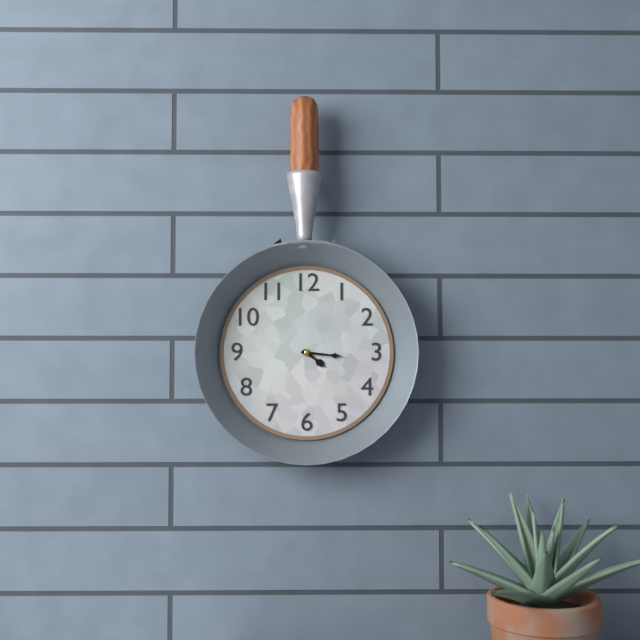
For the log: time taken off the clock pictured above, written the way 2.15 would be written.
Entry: 4.16
